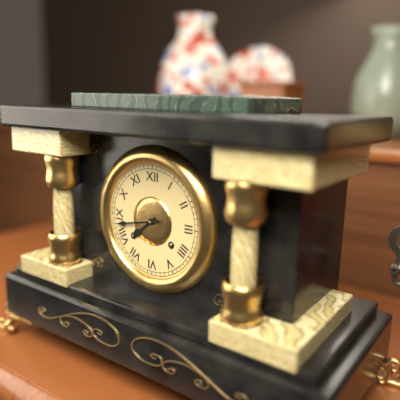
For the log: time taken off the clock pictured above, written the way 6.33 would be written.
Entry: 7.43
